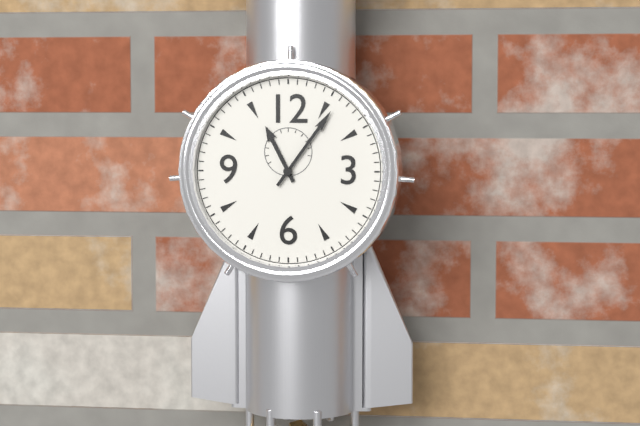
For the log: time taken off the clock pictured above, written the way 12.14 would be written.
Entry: 11.06
